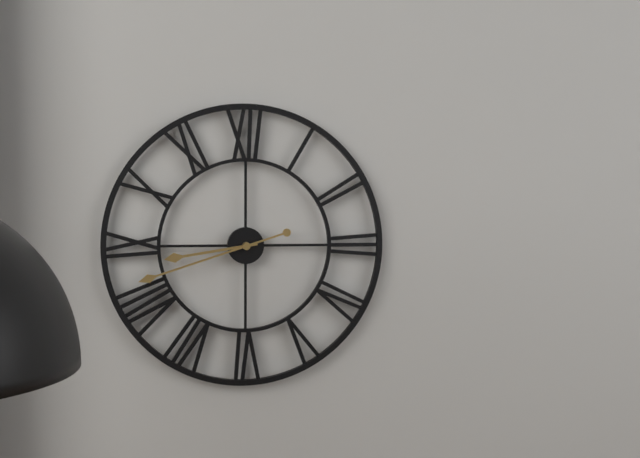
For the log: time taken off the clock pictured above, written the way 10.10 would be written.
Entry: 8.42
